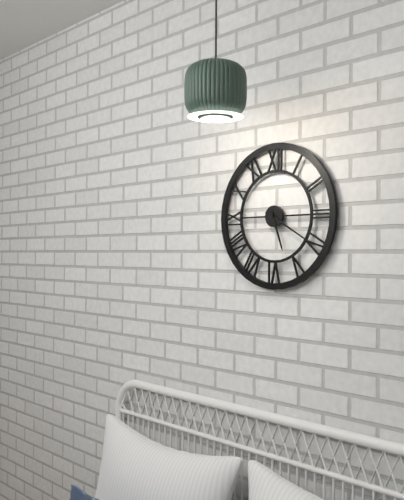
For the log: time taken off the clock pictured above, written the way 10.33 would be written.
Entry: 5.20
